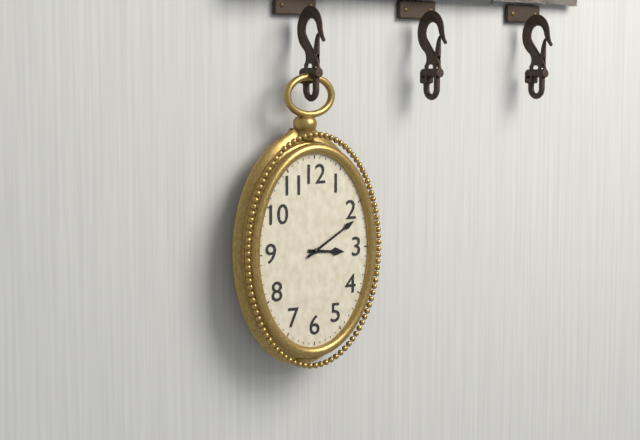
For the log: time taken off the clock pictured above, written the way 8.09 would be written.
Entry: 3.10
